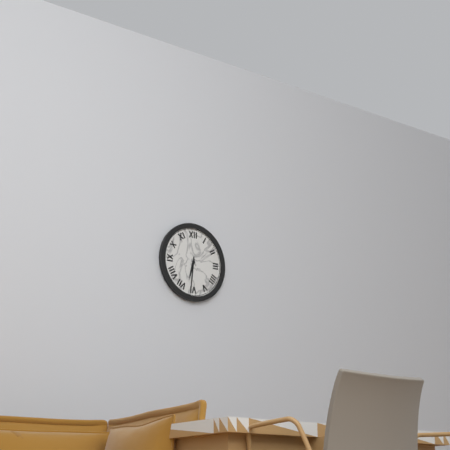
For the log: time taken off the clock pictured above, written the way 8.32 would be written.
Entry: 6.31
